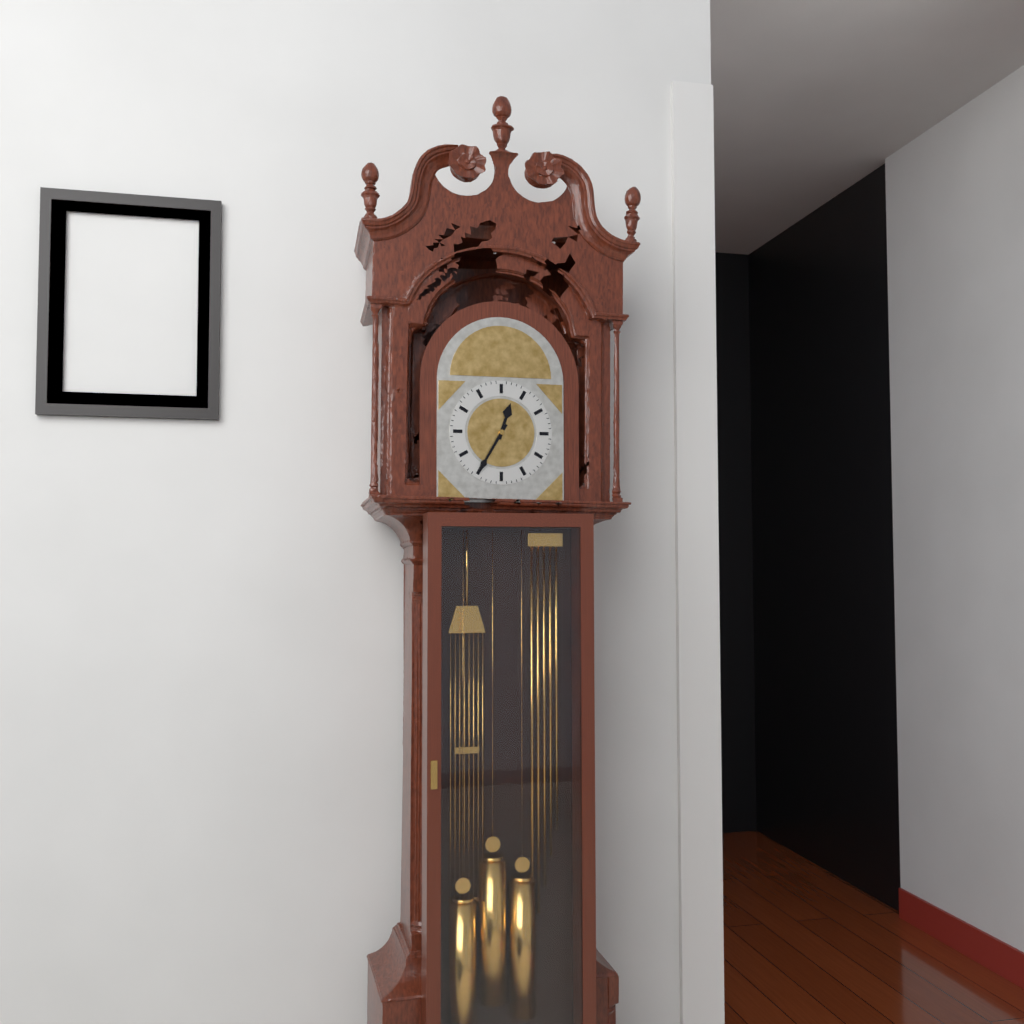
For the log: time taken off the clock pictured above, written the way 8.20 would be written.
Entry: 12.35
